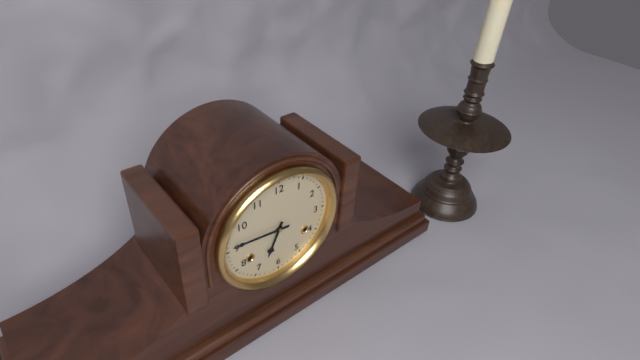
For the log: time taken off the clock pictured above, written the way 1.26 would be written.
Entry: 6.46
